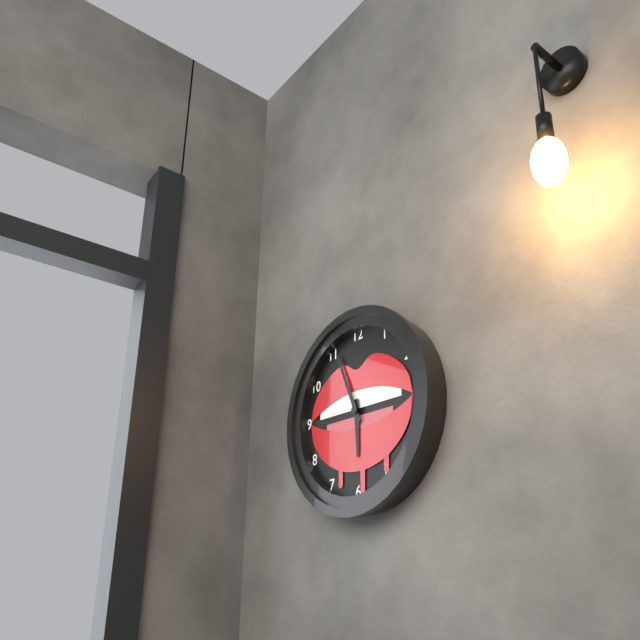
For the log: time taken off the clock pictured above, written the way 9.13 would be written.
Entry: 5.56
